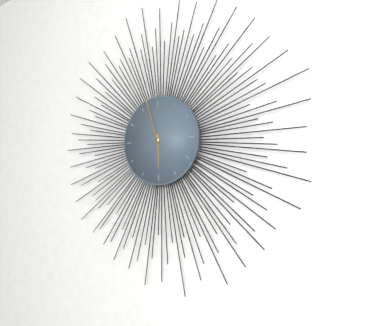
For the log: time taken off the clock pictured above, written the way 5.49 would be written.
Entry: 5.57
